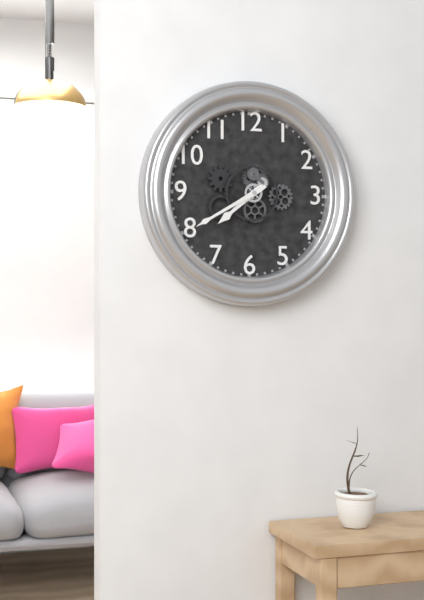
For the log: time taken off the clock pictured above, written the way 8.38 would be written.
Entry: 7.40
